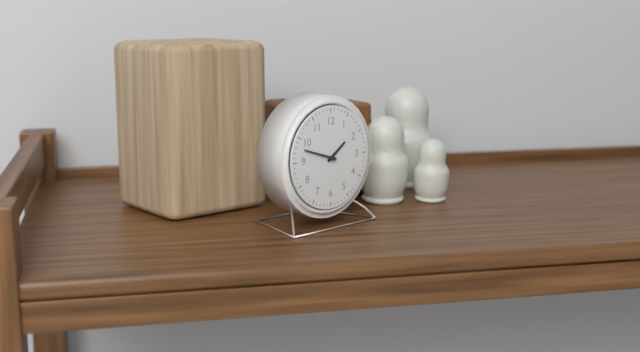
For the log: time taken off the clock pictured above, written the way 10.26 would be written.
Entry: 1.48
